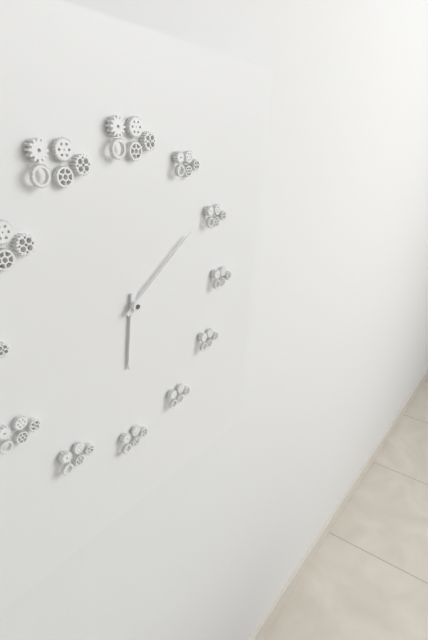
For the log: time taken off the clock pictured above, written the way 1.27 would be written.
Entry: 6.09
